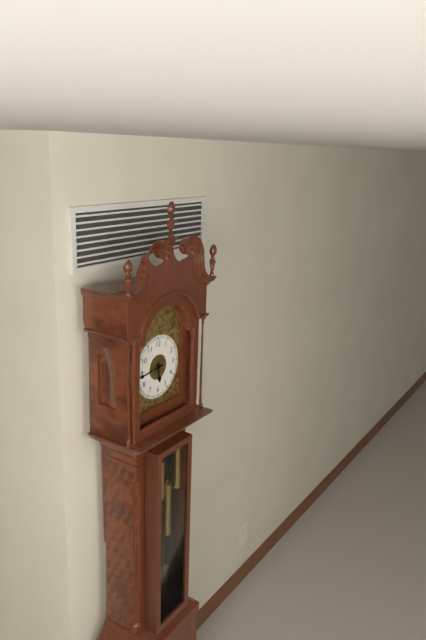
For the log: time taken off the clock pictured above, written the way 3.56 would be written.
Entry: 5.44
